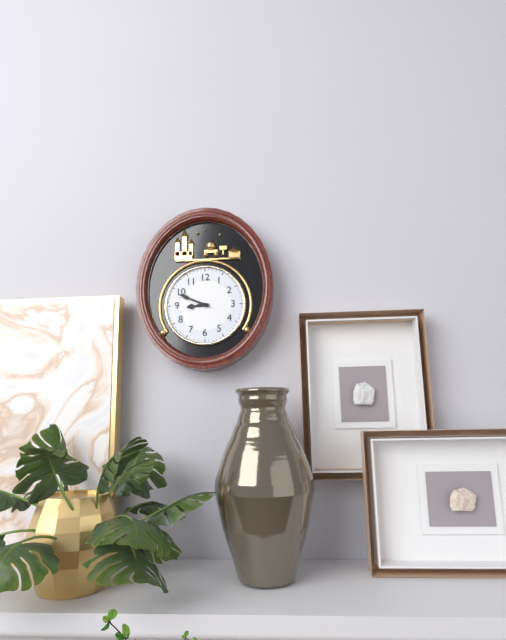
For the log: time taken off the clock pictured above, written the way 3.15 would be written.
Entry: 8.49
